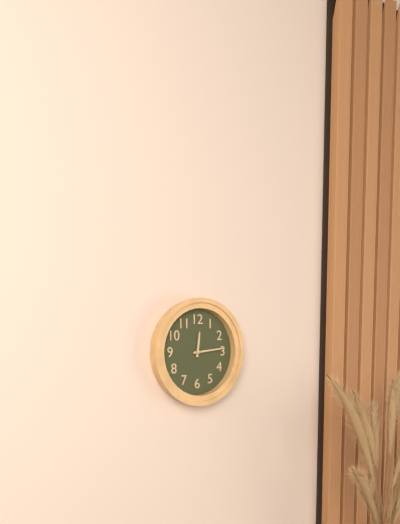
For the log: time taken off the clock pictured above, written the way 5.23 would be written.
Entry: 12.14
